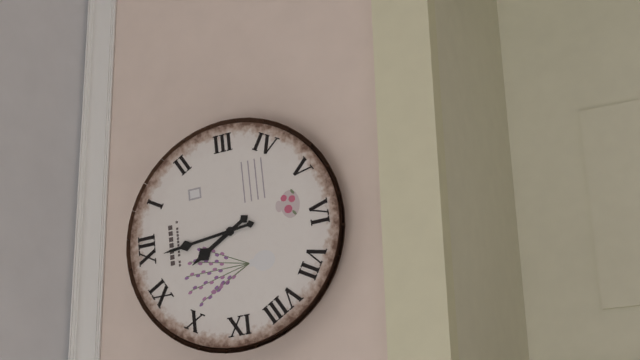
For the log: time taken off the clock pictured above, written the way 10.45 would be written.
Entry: 10.59
